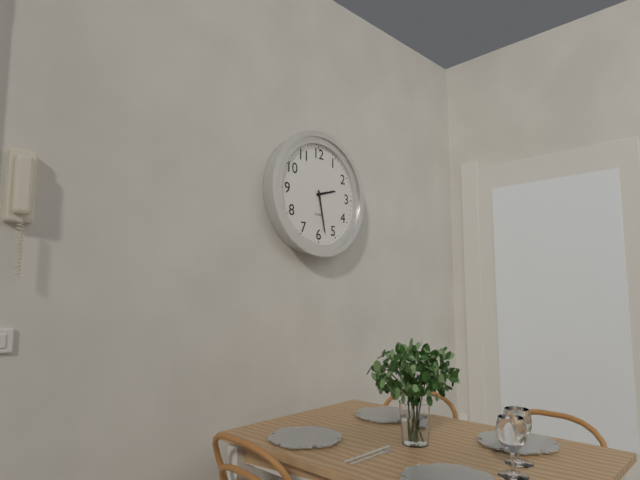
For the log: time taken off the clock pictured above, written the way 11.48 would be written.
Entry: 2.28
